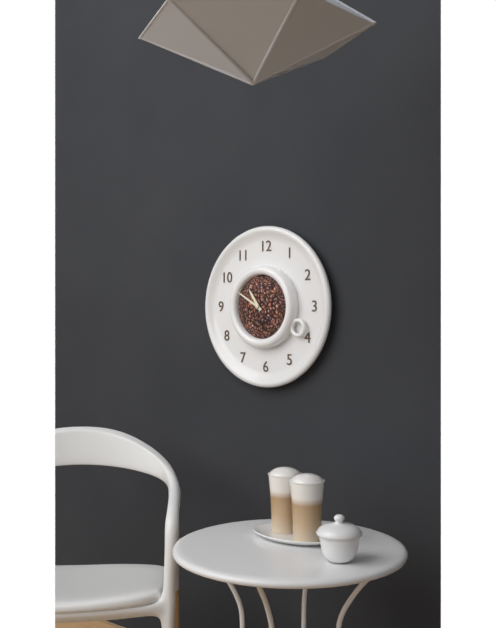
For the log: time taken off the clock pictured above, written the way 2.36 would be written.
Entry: 10.50
